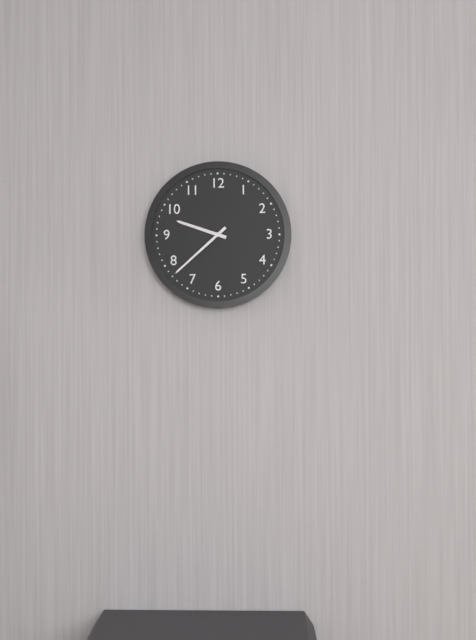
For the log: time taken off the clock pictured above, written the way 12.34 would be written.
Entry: 9.38
